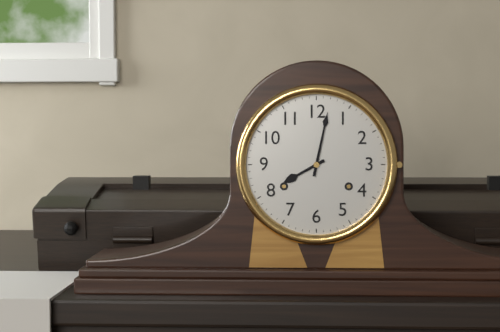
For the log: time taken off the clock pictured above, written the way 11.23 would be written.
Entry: 8.02
